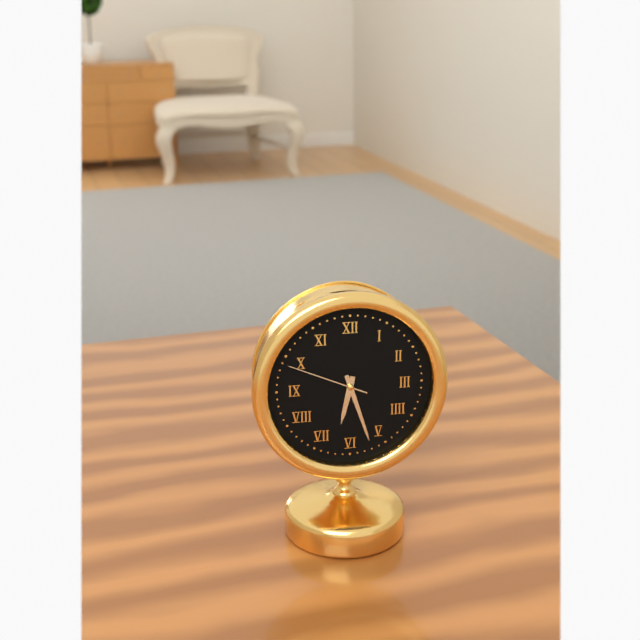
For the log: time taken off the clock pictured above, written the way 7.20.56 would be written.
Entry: 6.27.49
